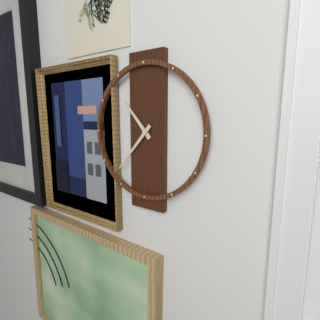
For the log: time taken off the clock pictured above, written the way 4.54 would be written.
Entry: 10.37
